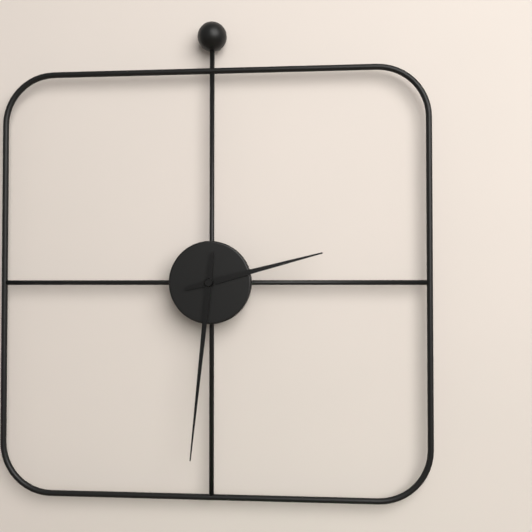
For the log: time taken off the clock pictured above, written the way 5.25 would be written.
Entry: 2.31
